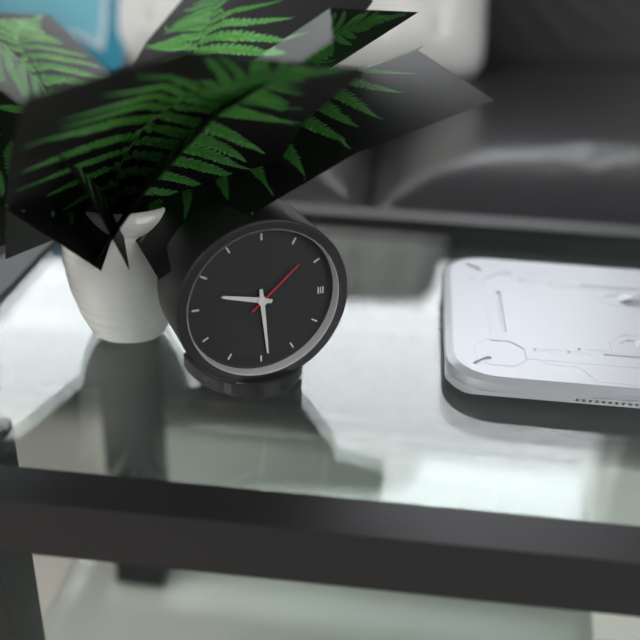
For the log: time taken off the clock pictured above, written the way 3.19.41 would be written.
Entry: 9.29.08
